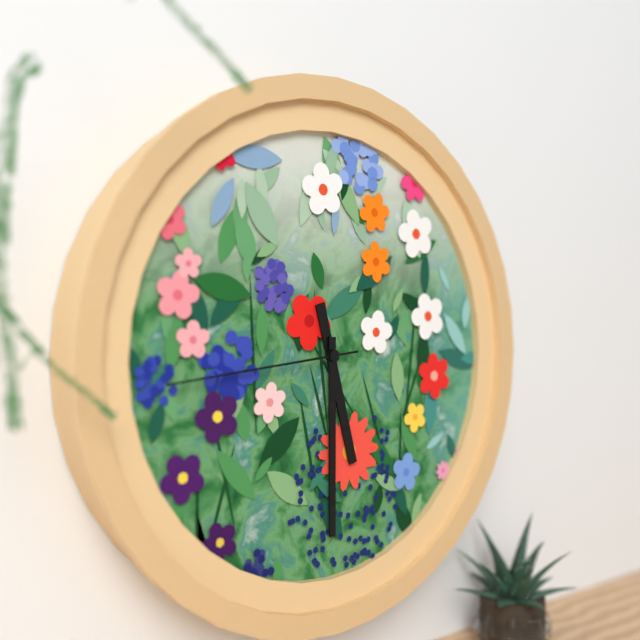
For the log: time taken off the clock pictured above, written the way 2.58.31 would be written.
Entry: 5.30.44
